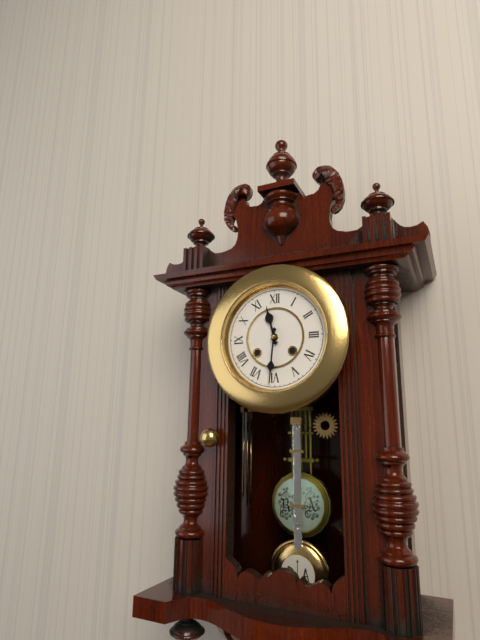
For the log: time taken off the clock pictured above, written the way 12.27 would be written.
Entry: 11.31
